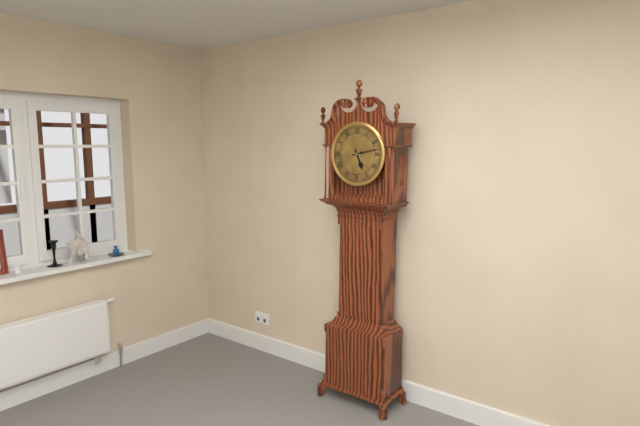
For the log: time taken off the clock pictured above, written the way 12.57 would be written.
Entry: 5.13
